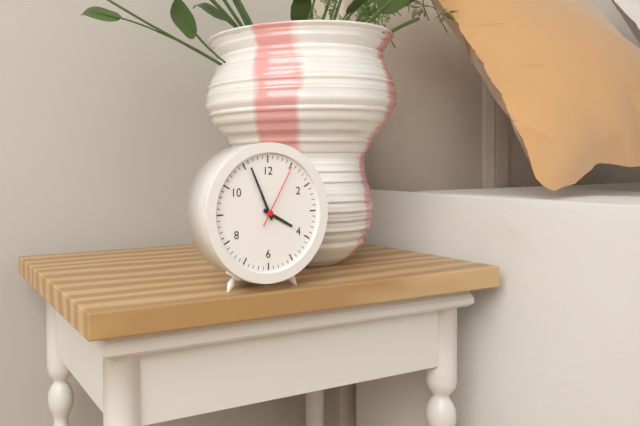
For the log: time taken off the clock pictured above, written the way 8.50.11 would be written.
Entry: 3.56.05
